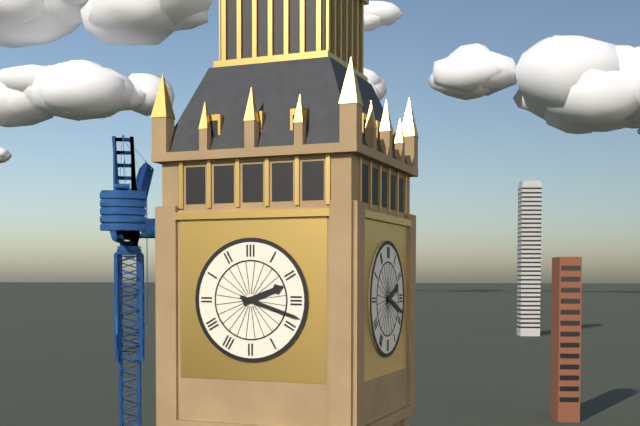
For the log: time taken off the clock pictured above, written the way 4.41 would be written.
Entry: 2.18
